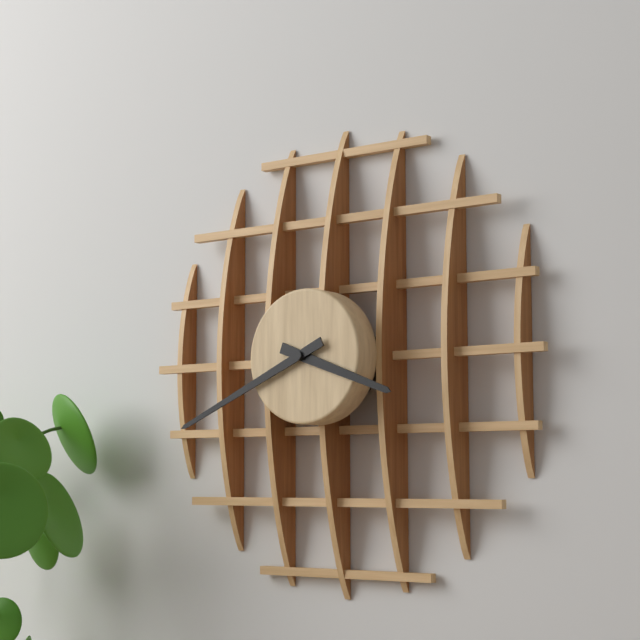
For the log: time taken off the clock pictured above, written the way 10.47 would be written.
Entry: 3.41
